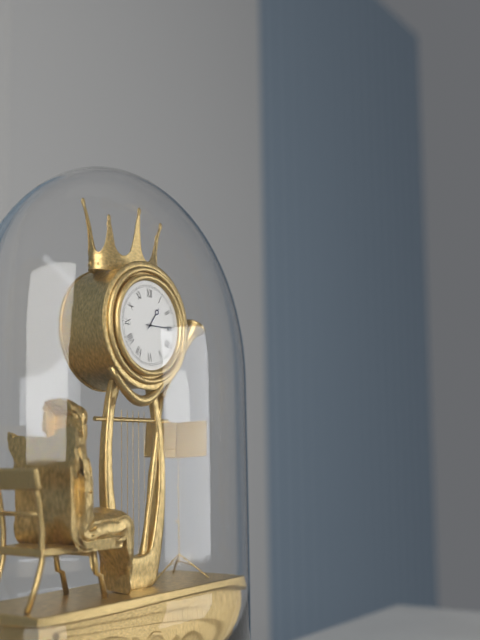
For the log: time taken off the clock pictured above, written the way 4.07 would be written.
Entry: 1.15
